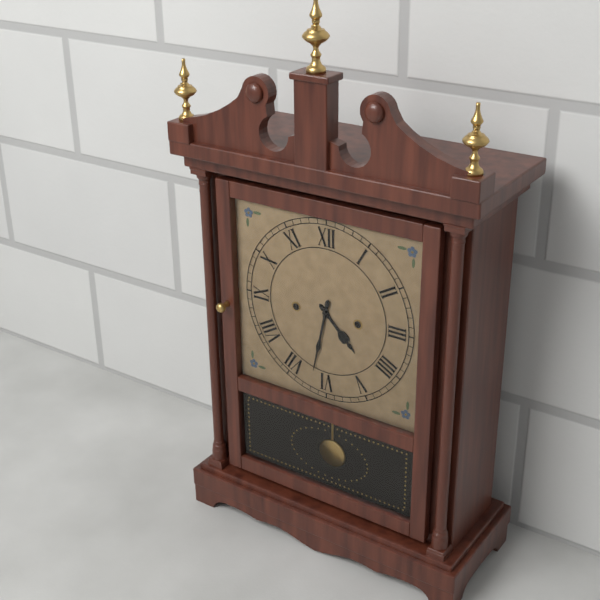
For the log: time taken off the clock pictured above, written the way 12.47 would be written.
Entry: 4.32
